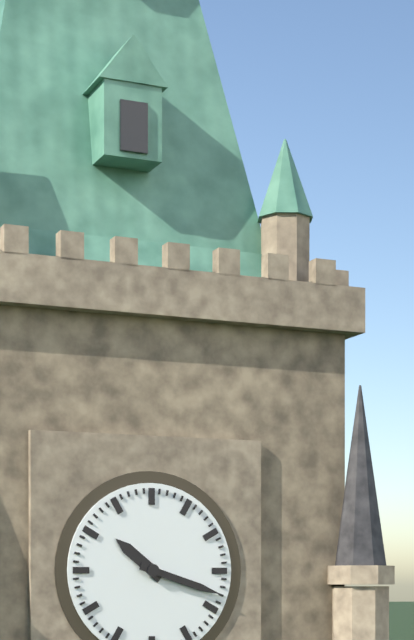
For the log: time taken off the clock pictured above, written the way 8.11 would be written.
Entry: 10.18
